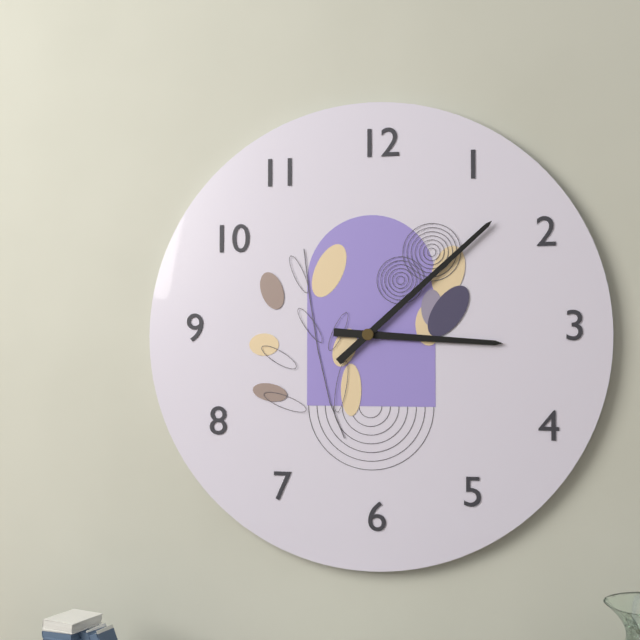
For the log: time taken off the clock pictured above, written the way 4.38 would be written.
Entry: 3.08
